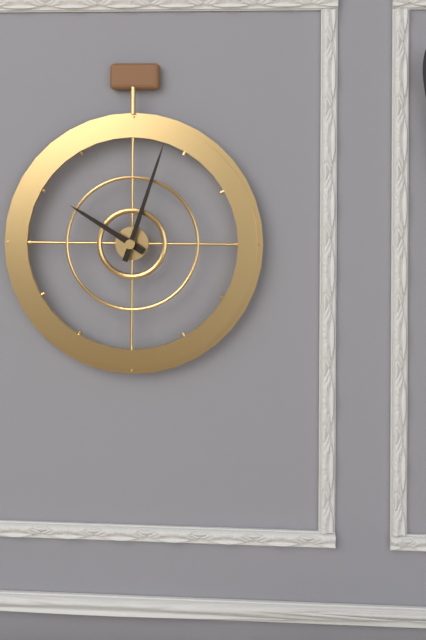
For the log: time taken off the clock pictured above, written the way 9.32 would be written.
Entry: 10.03
